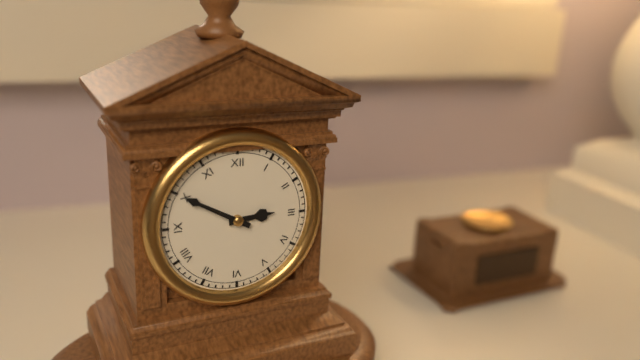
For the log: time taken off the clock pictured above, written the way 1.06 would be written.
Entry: 2.50
